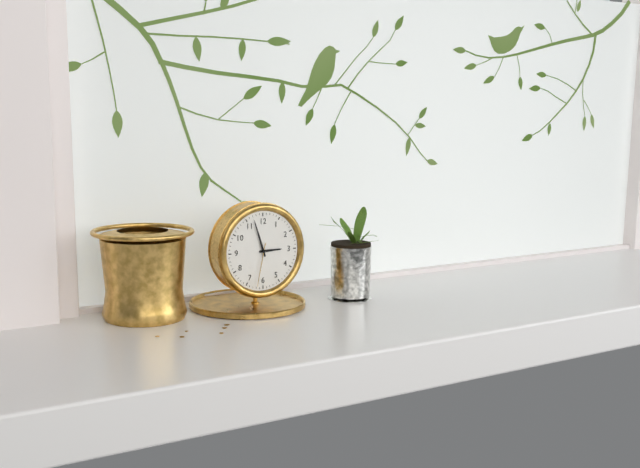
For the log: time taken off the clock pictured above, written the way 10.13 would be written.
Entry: 2.57
